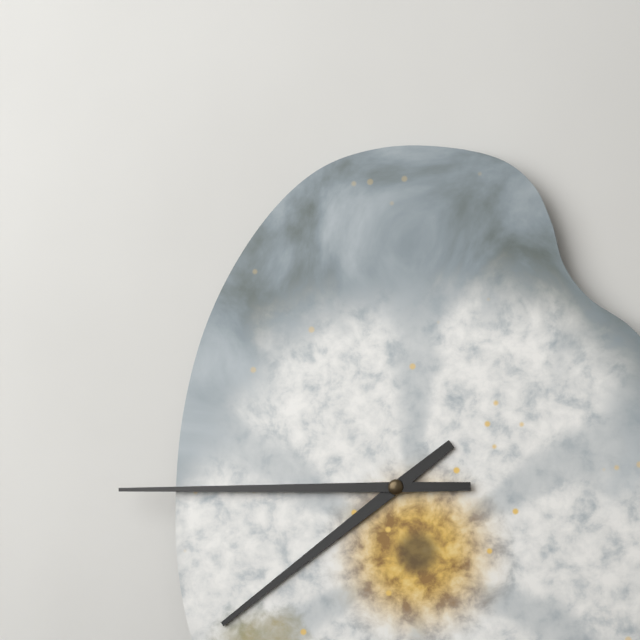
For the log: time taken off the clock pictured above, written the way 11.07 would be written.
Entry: 7.45
